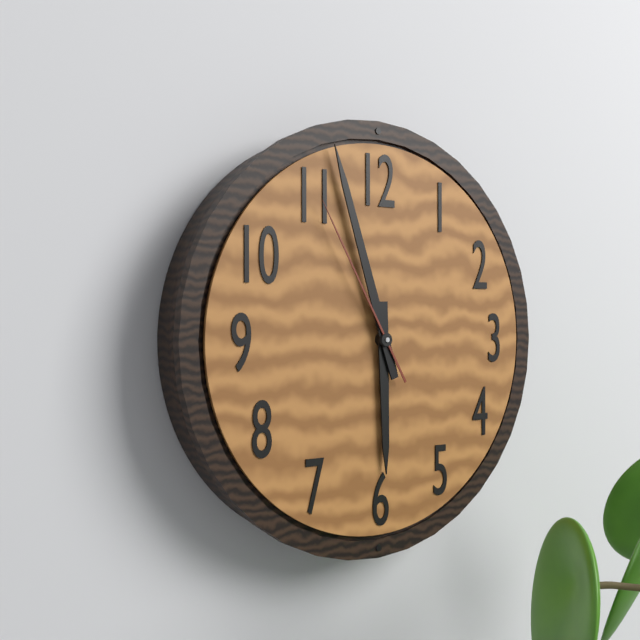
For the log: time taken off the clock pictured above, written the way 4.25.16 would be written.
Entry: 5.57.55
